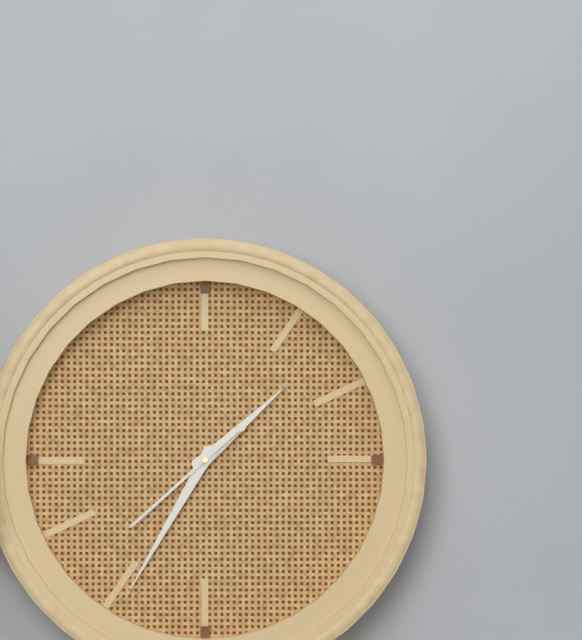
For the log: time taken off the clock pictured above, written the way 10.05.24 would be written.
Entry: 1.35.38
